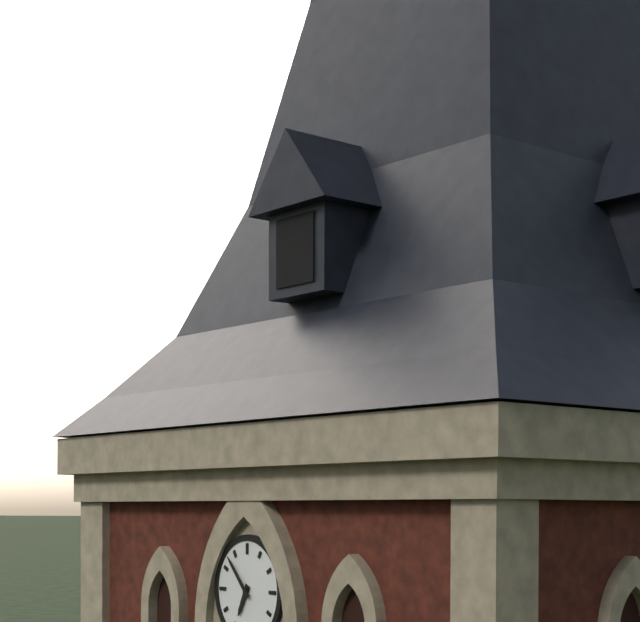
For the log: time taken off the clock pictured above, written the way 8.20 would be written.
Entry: 6.53
